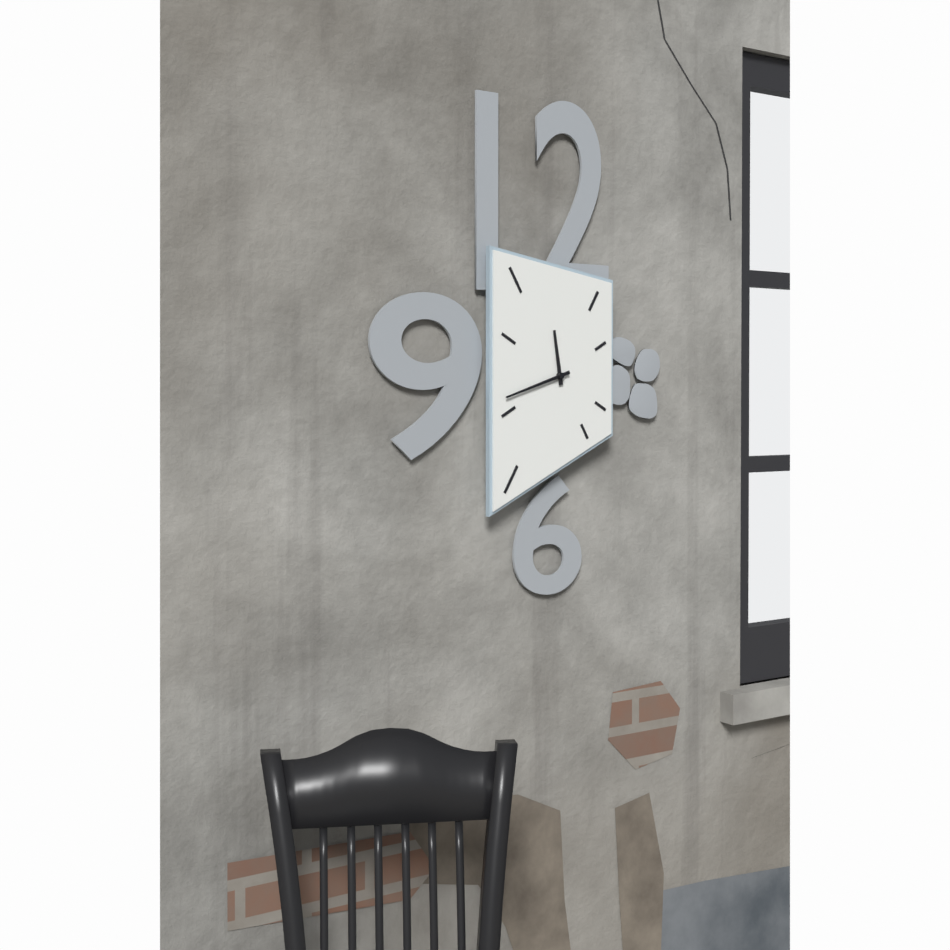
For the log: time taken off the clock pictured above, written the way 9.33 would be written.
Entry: 11.42
